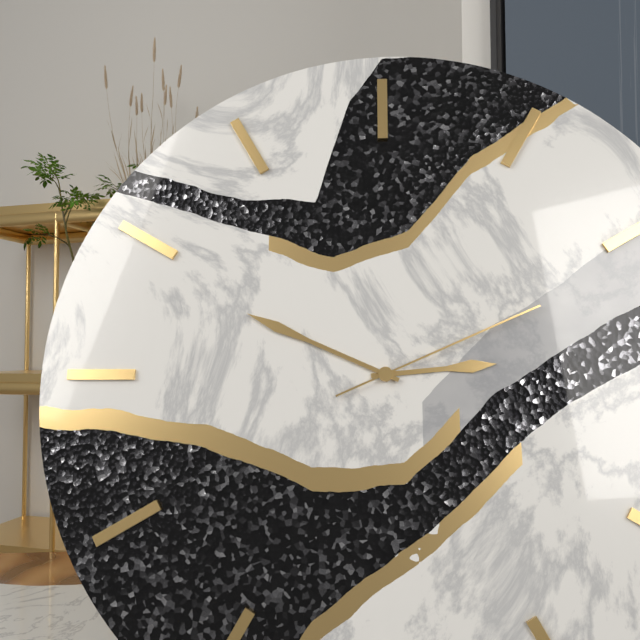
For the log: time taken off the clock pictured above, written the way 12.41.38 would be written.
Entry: 2.49.11
